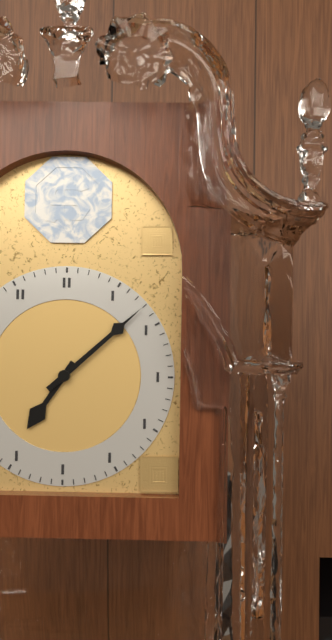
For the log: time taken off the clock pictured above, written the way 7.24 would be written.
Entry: 7.08
